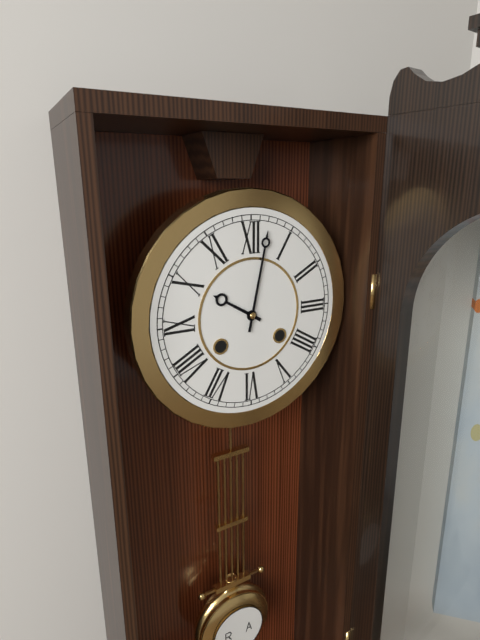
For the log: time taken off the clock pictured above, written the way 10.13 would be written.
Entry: 10.02
